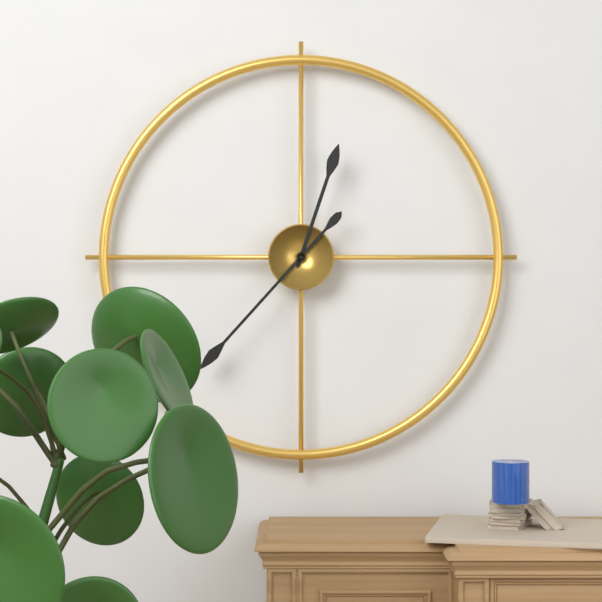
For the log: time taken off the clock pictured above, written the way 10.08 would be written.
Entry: 12.37
